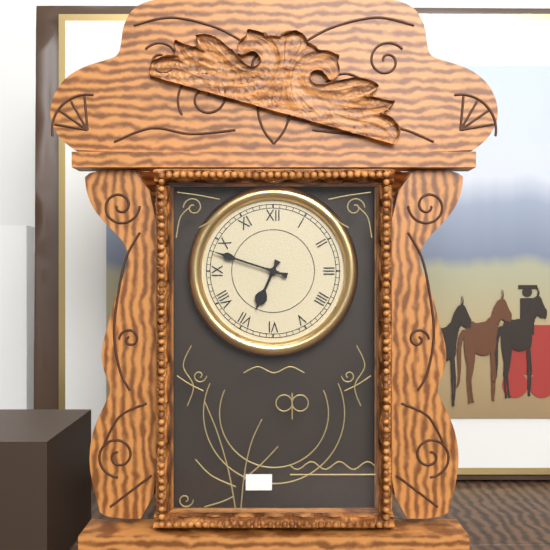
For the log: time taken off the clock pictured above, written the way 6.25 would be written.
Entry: 6.48
